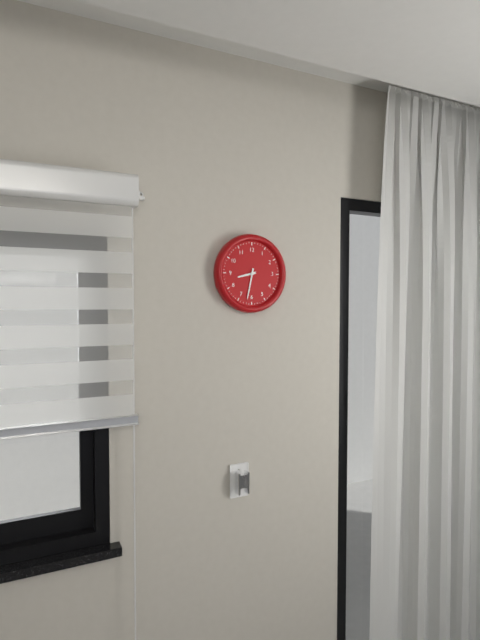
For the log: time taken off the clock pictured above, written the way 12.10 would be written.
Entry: 8.32
